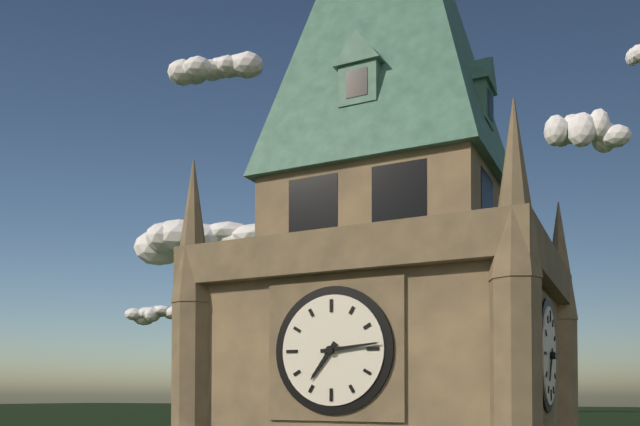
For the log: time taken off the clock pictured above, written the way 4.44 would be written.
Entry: 7.14
